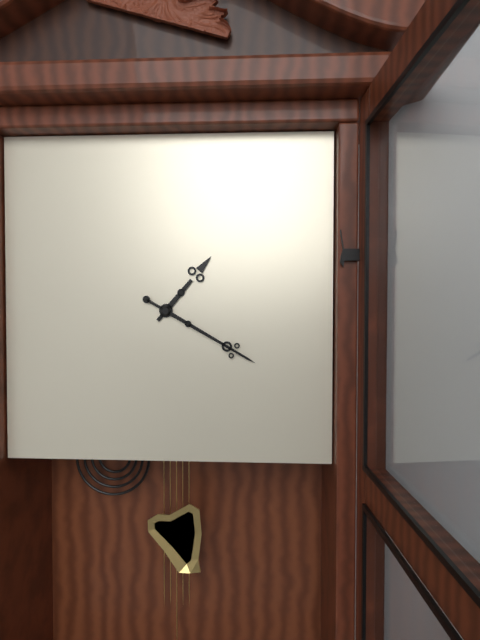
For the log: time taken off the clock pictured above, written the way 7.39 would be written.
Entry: 1.20
